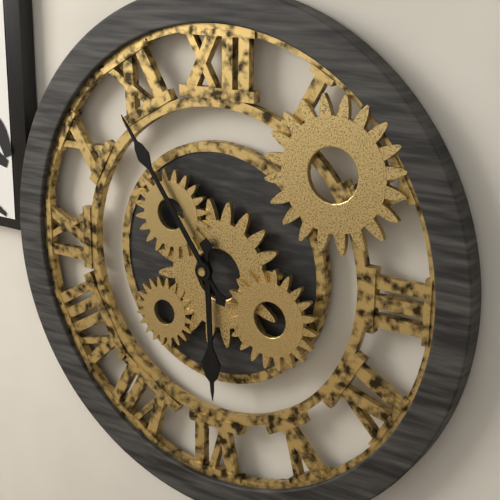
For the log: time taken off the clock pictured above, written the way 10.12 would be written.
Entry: 5.54
